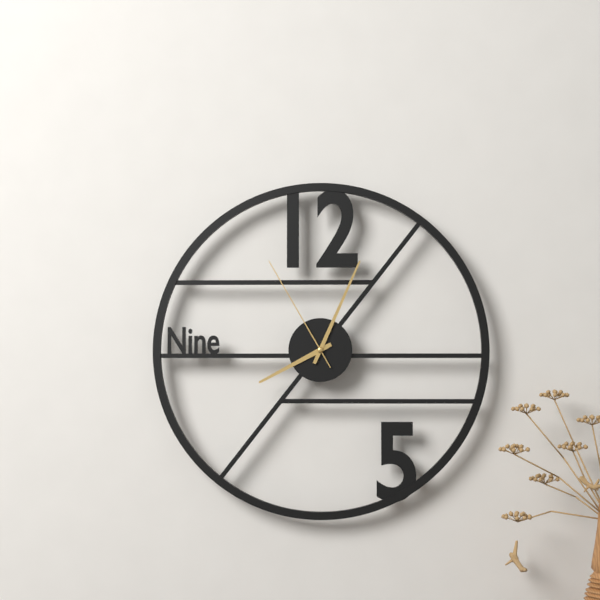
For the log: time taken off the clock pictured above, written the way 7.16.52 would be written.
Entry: 8.04.55
